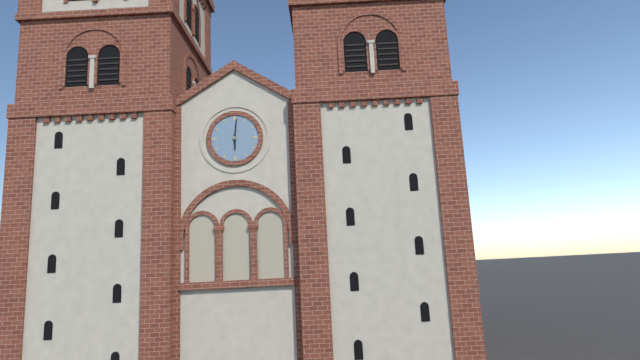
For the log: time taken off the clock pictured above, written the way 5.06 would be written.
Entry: 6.01
